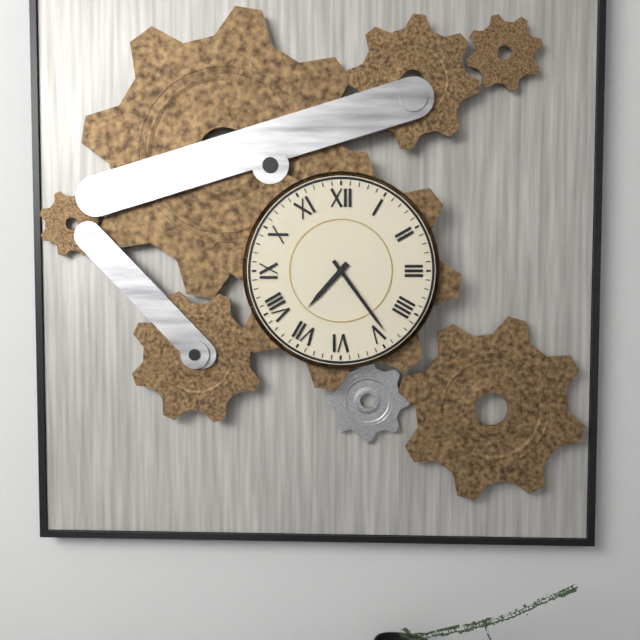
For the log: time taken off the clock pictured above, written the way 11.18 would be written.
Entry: 7.24
